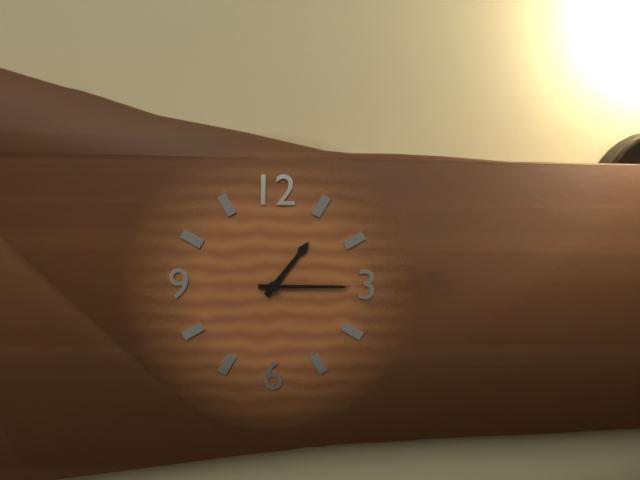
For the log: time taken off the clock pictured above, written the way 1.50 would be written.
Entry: 1.15
